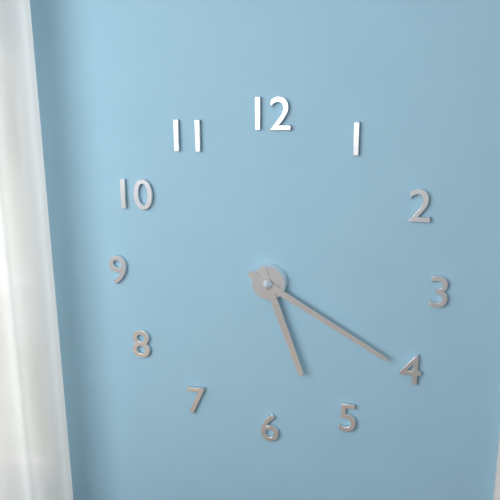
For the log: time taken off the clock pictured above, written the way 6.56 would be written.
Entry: 5.20
